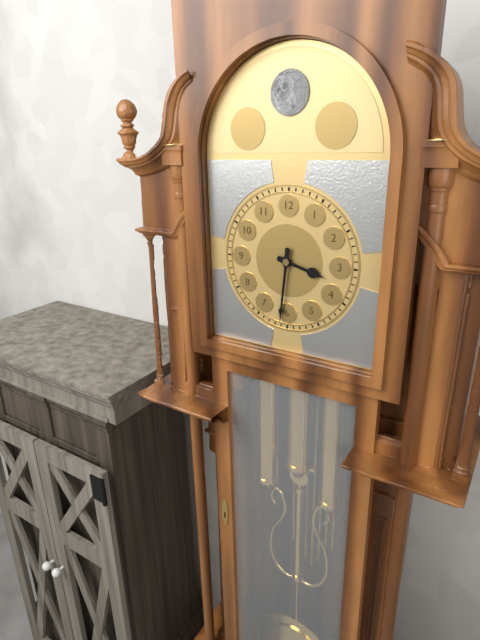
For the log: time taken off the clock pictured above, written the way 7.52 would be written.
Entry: 3.31
